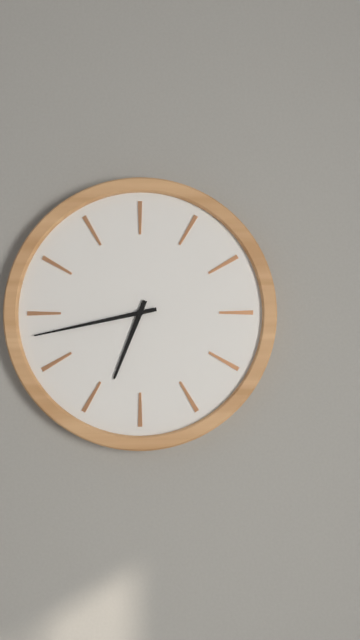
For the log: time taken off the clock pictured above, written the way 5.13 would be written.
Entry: 6.43
